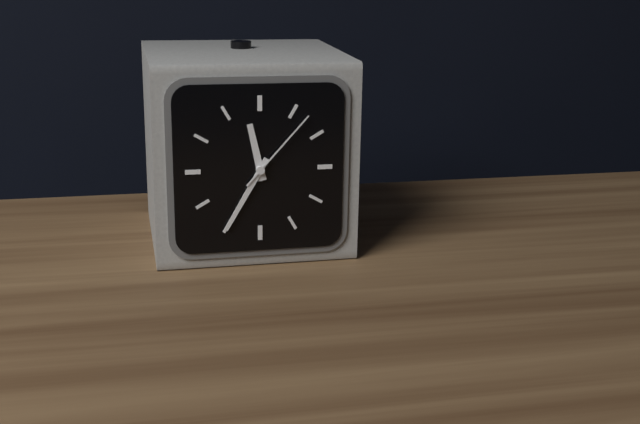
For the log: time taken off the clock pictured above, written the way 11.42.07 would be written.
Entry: 11.35.07
